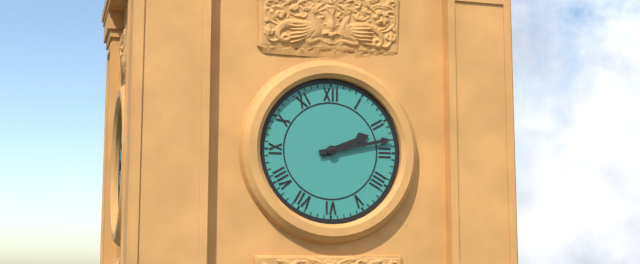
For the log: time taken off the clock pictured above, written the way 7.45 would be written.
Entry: 2.13
